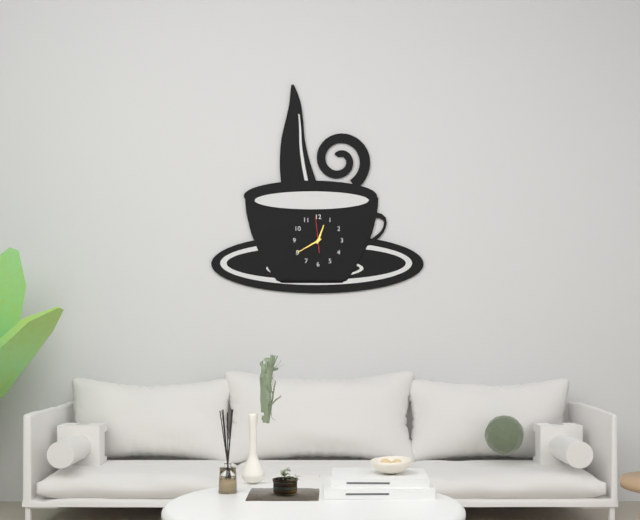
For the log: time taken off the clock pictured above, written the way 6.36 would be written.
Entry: 12.40
